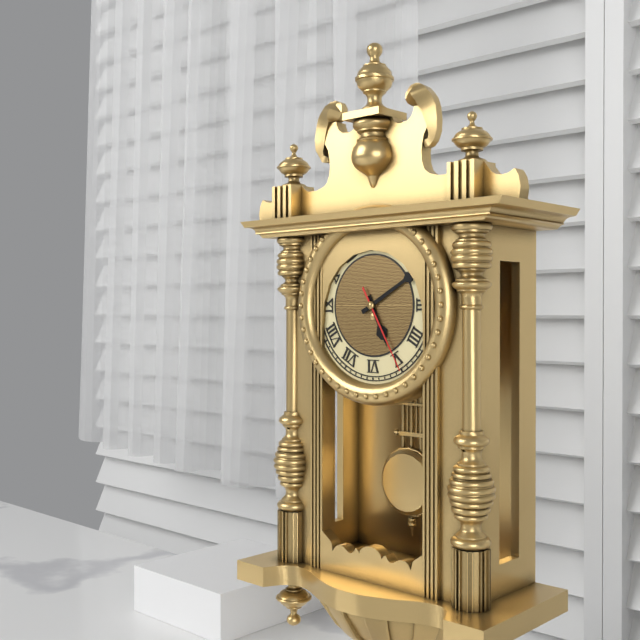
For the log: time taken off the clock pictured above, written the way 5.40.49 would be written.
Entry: 5.10.25
